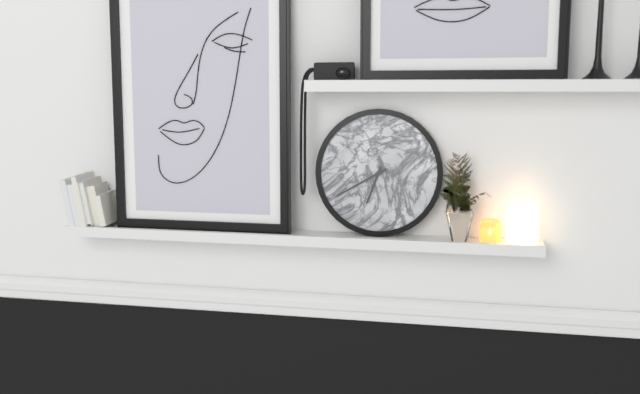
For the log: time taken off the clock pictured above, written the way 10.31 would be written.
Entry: 6.40
